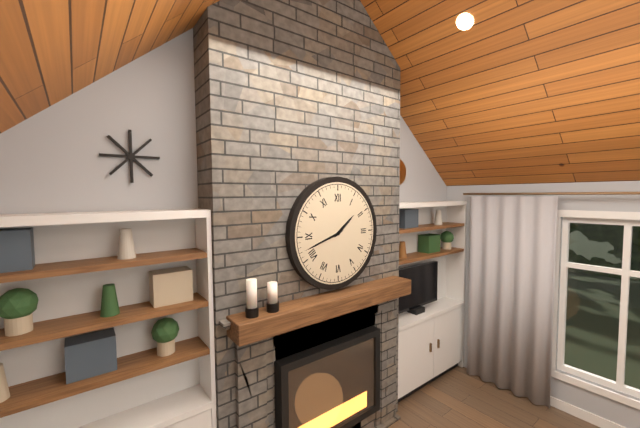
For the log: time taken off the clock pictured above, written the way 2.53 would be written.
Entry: 1.42
